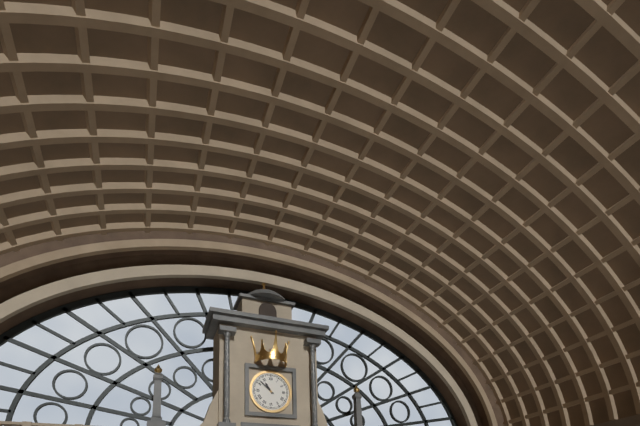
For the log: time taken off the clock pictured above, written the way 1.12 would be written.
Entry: 10.52
